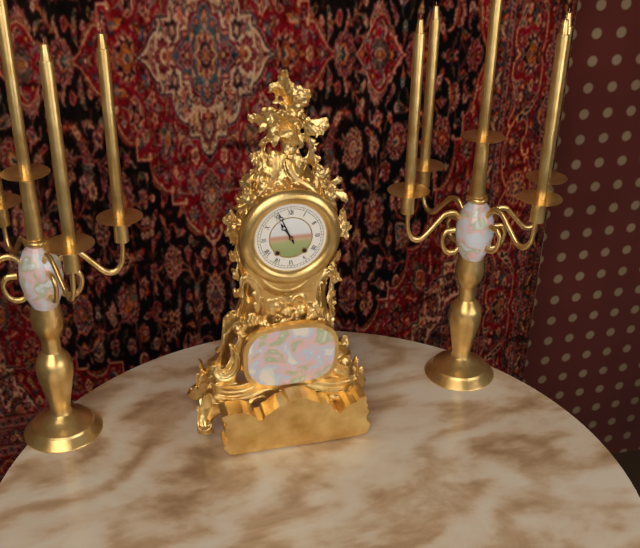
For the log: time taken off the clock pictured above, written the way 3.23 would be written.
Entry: 10.56
